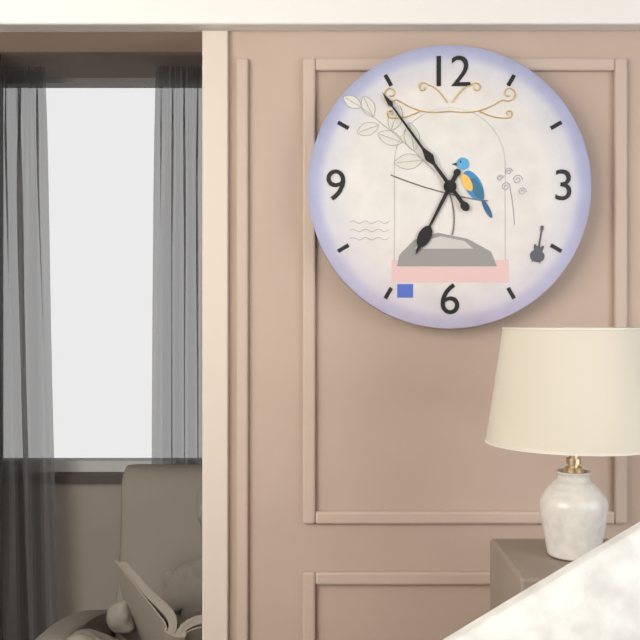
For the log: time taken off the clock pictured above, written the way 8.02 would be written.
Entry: 6.54
